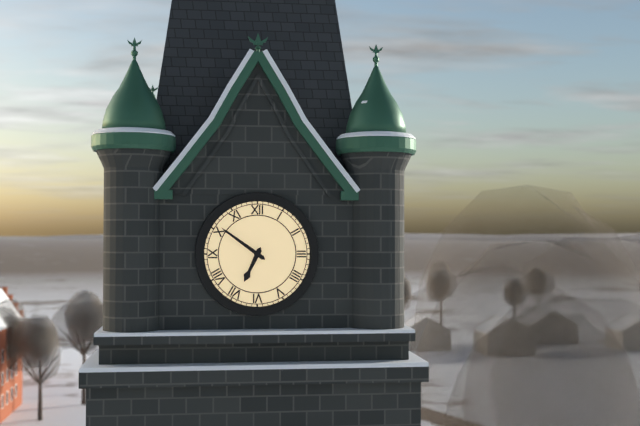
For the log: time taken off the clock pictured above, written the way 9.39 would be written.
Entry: 6.51
